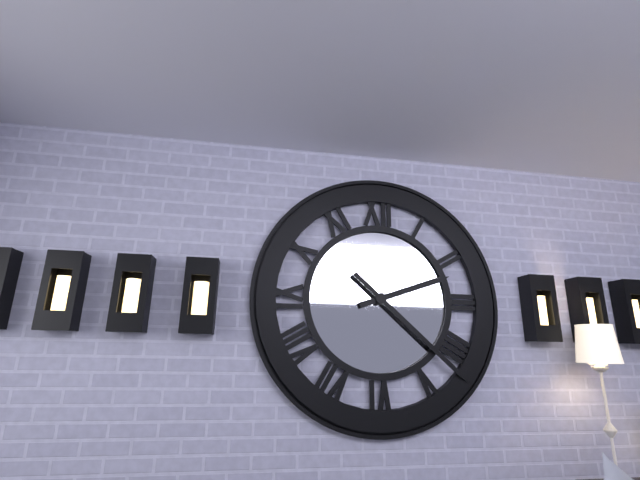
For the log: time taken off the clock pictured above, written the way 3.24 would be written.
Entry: 2.22
